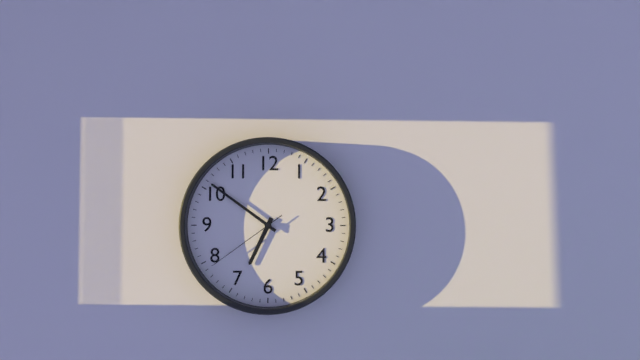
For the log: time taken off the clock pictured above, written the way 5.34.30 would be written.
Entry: 6.51.39
